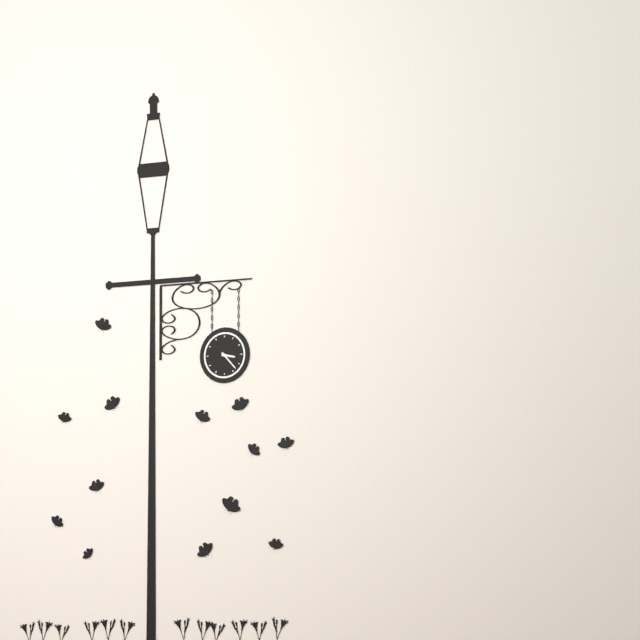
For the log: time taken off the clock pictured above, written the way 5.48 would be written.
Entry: 3.23
